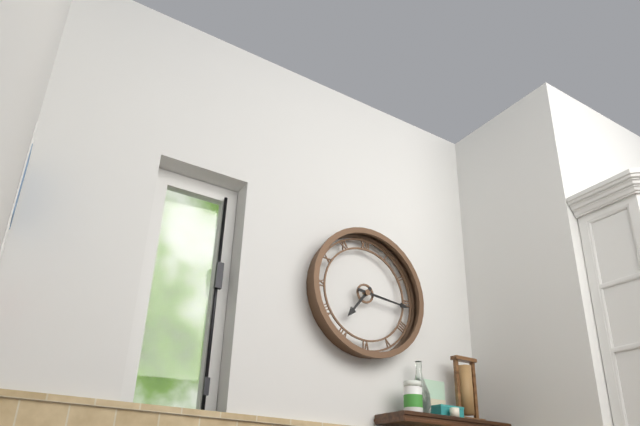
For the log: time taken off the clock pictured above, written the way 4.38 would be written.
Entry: 7.16
